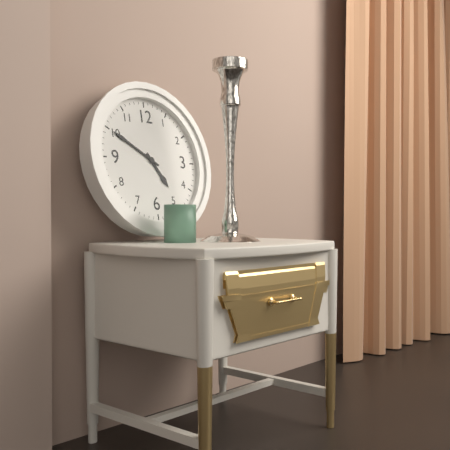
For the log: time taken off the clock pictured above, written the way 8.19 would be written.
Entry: 4.50
